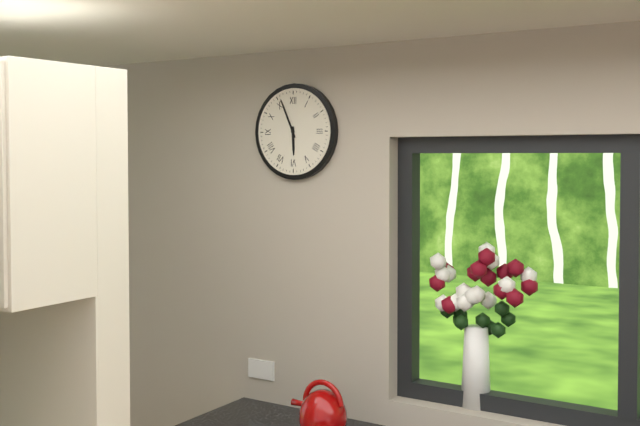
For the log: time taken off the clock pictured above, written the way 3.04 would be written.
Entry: 5.56
